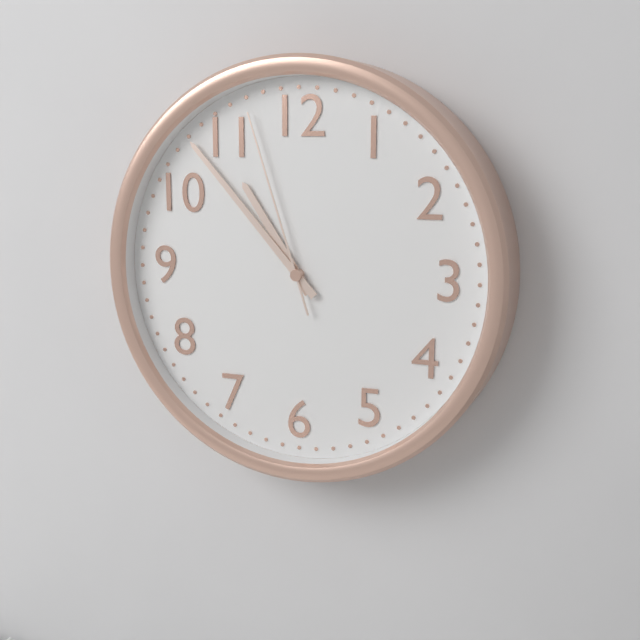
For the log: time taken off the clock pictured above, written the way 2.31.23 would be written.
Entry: 10.53.57
